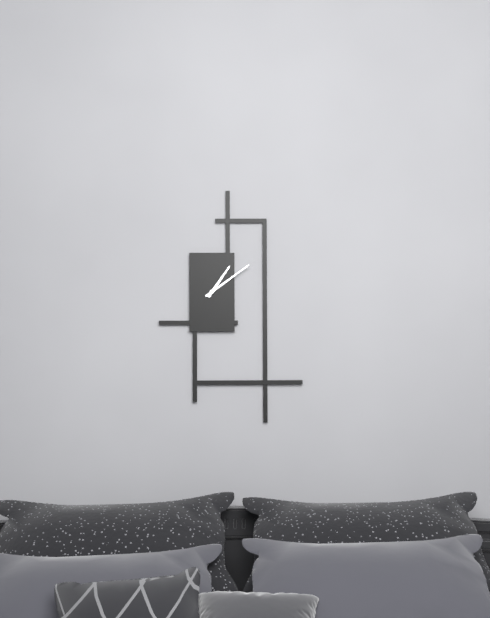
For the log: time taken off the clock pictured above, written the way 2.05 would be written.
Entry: 1.09
